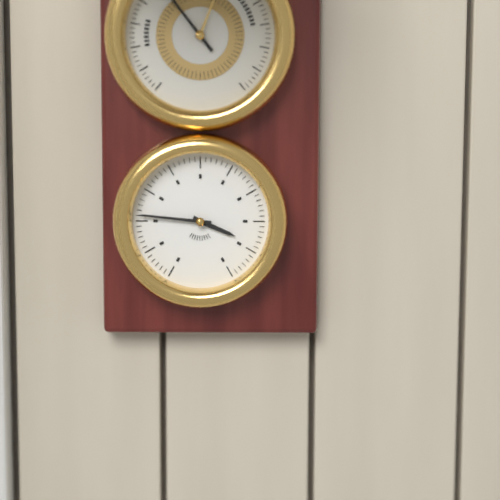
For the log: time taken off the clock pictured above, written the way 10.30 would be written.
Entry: 3.46
